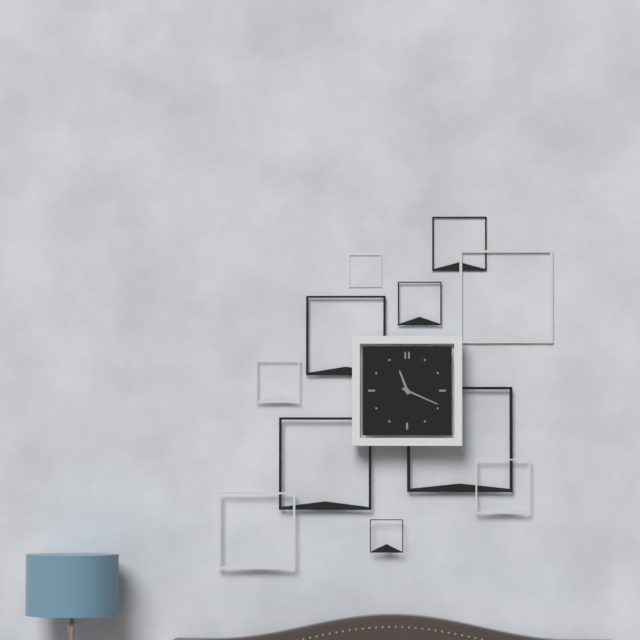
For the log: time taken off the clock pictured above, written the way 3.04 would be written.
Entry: 11.19
